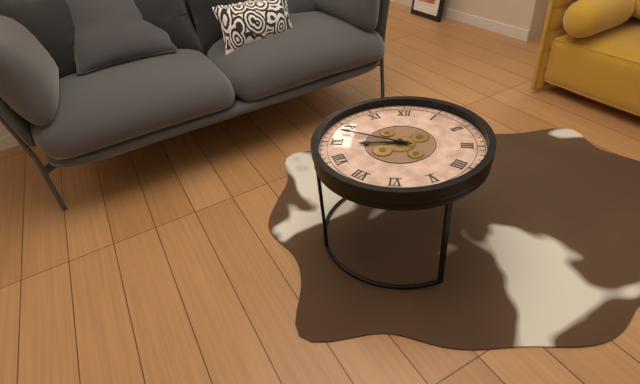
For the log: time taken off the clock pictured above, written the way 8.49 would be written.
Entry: 8.48
